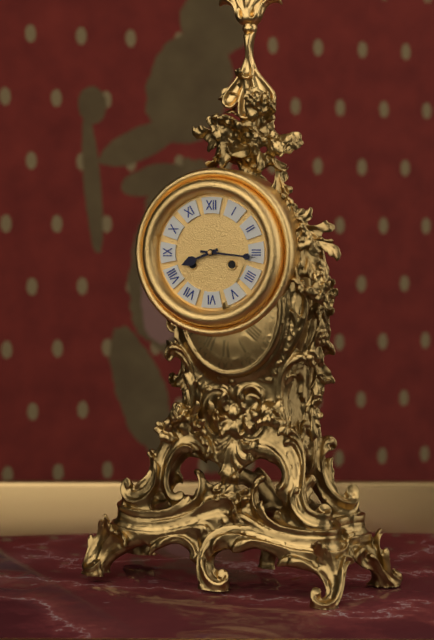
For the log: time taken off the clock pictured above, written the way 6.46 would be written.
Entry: 8.16
